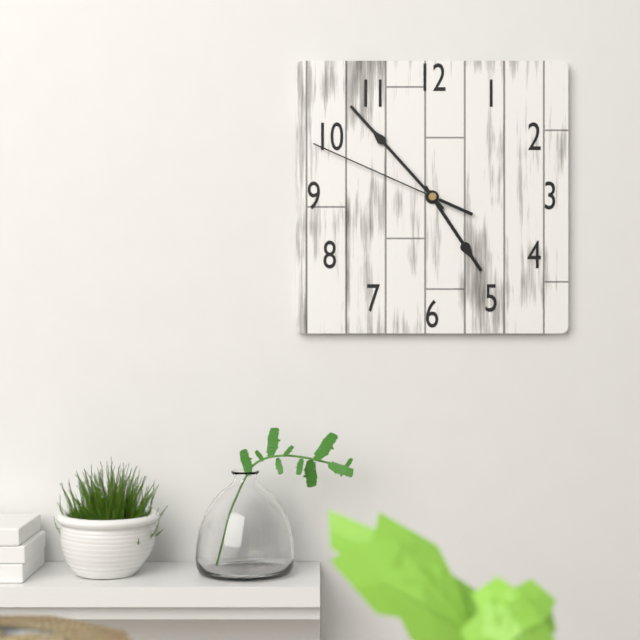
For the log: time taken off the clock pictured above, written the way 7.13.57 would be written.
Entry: 4.53.49
